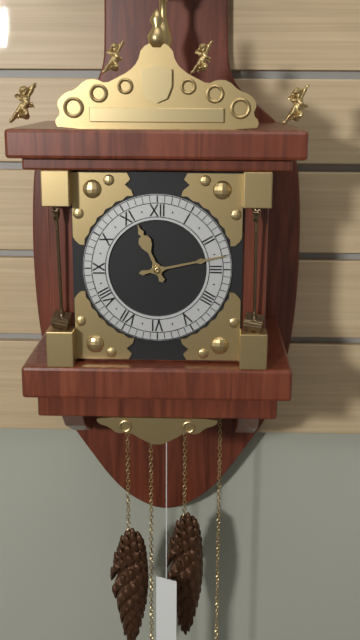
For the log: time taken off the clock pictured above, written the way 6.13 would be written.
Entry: 11.13
